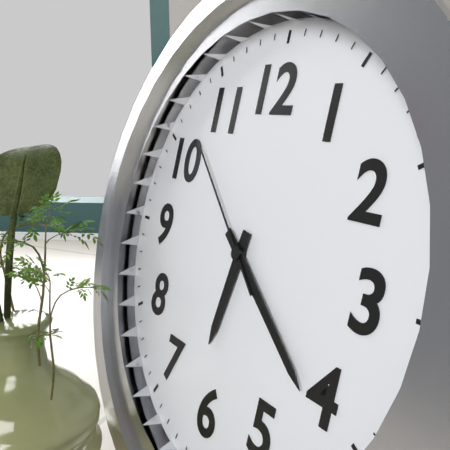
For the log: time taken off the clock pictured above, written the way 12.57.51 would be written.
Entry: 6.21.52
